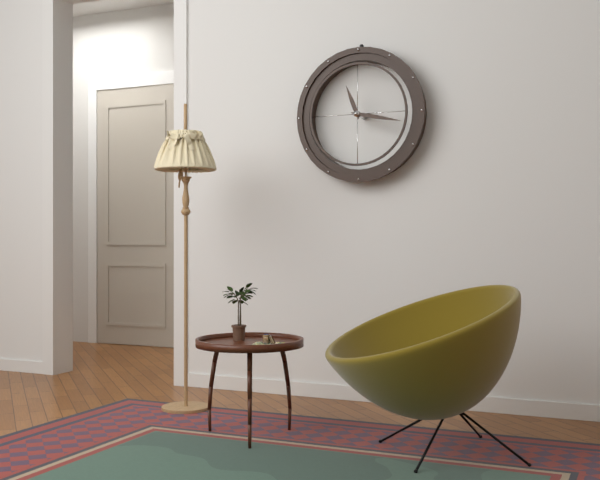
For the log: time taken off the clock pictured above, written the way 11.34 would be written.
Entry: 11.17
